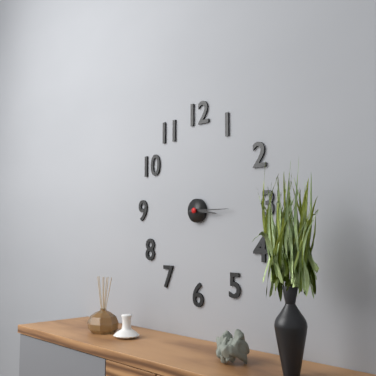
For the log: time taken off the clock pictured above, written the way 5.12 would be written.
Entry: 3.15
